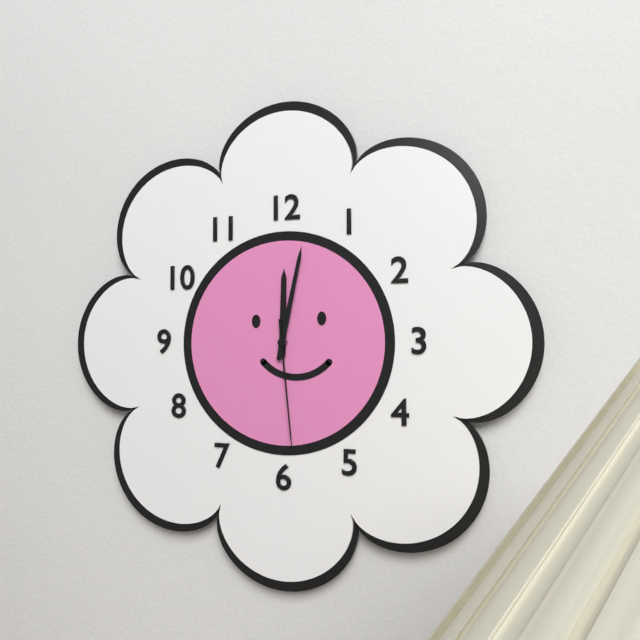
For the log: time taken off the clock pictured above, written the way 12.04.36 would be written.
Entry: 12.02.29
